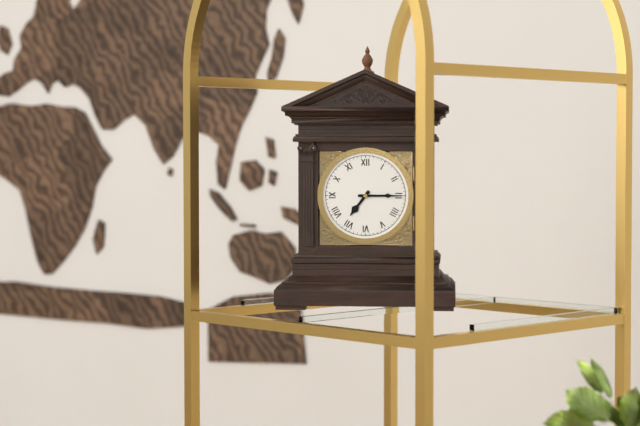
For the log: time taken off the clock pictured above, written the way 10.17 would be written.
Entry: 7.15
